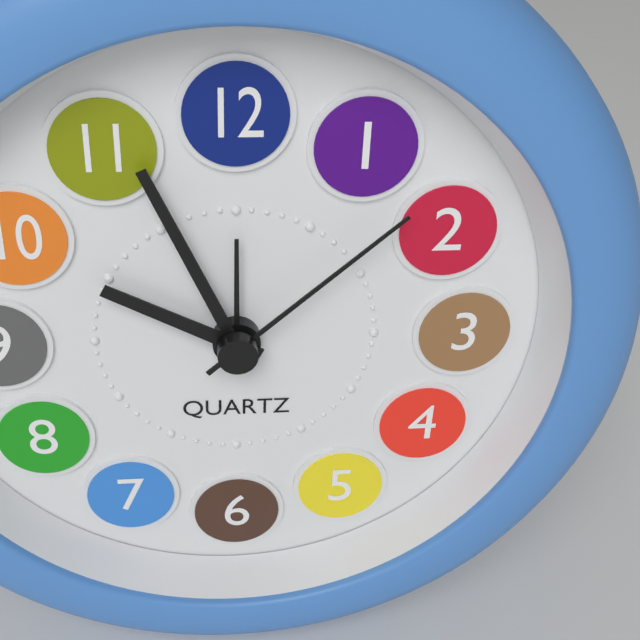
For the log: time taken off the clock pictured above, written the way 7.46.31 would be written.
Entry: 9.56.08
